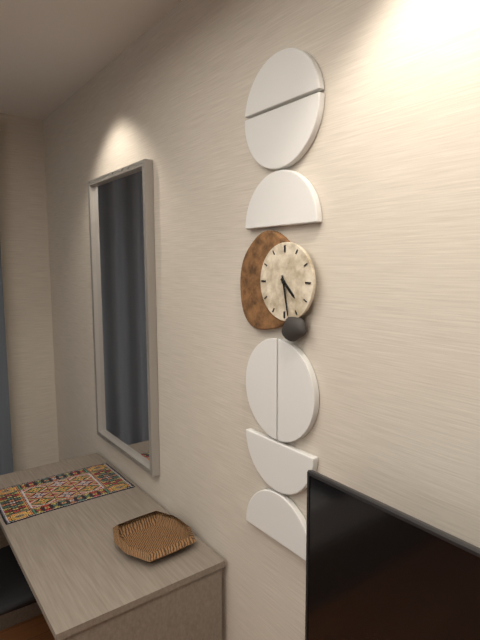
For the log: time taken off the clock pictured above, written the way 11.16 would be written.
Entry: 4.28
